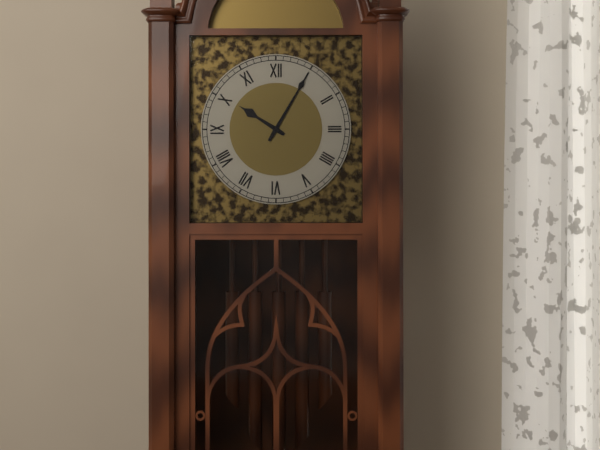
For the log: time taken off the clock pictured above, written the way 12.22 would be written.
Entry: 10.05
